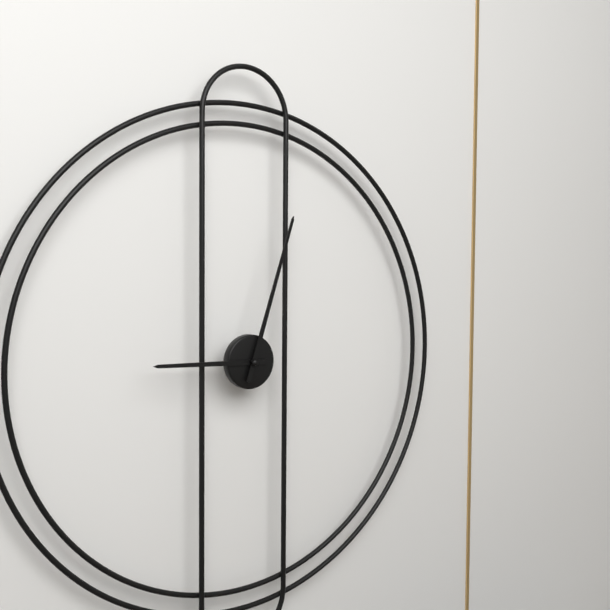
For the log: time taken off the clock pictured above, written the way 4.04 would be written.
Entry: 9.03
